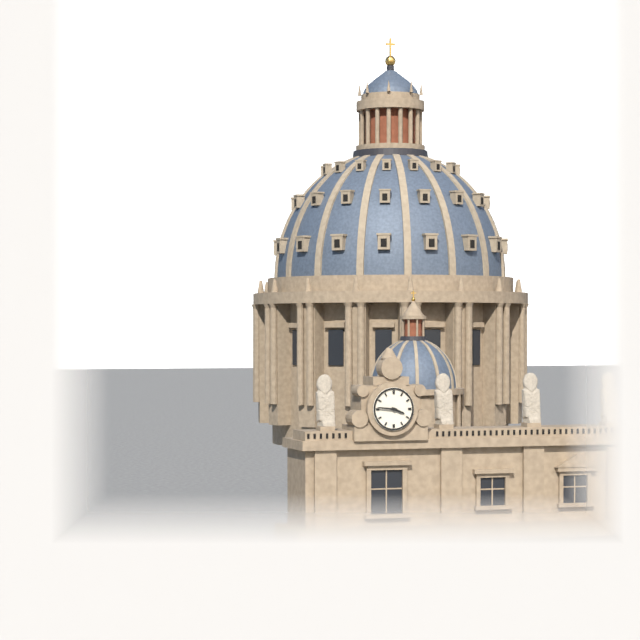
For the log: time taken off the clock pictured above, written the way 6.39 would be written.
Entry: 3.46
